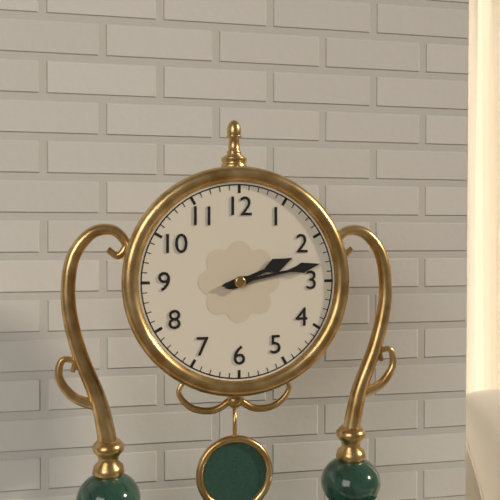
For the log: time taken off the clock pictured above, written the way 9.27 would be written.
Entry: 2.13
